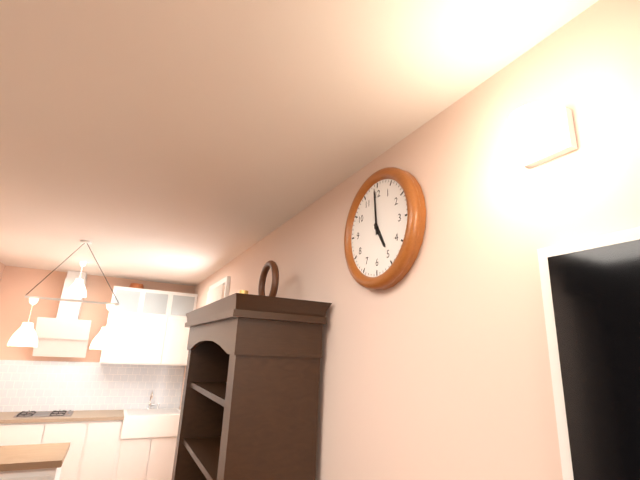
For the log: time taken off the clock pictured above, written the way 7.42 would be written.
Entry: 4.59
